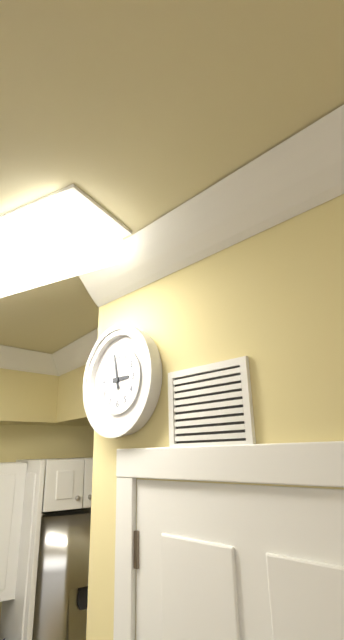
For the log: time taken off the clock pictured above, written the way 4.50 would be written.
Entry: 2.58
